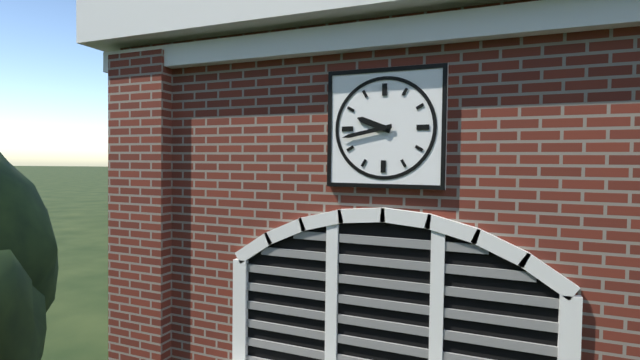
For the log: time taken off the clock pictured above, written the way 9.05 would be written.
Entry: 9.43
